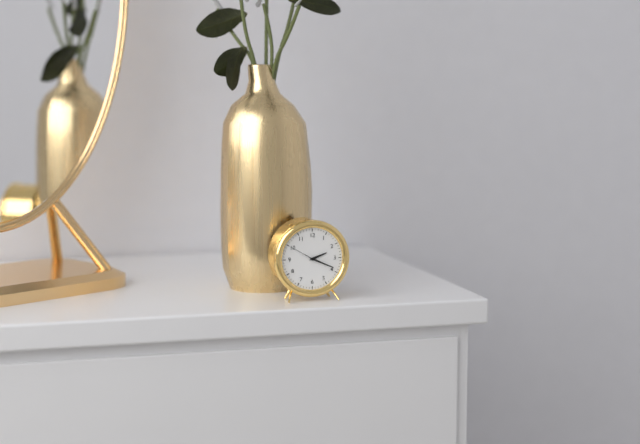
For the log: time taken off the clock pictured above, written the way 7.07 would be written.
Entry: 2.19
